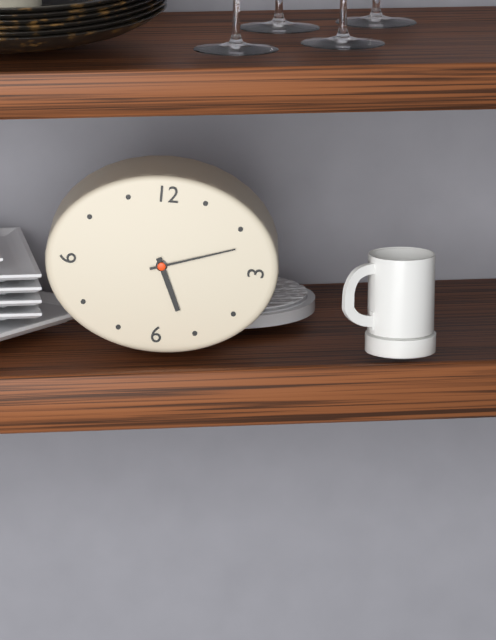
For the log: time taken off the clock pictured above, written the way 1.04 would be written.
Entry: 5.12
